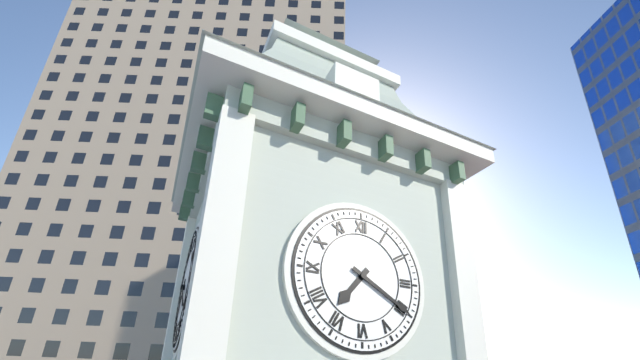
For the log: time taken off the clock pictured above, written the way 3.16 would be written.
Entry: 7.20
